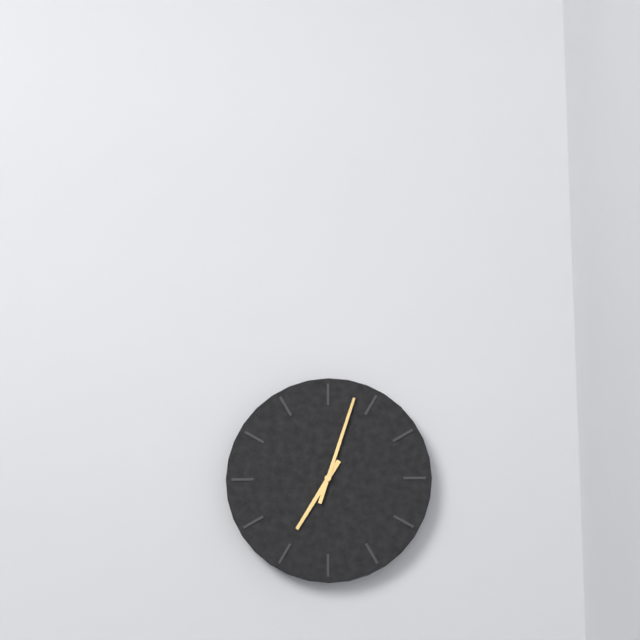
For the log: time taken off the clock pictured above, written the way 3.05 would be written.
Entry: 7.03
